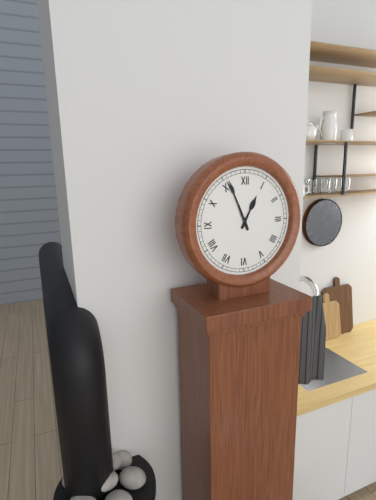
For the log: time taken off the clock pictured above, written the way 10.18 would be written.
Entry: 12.56
